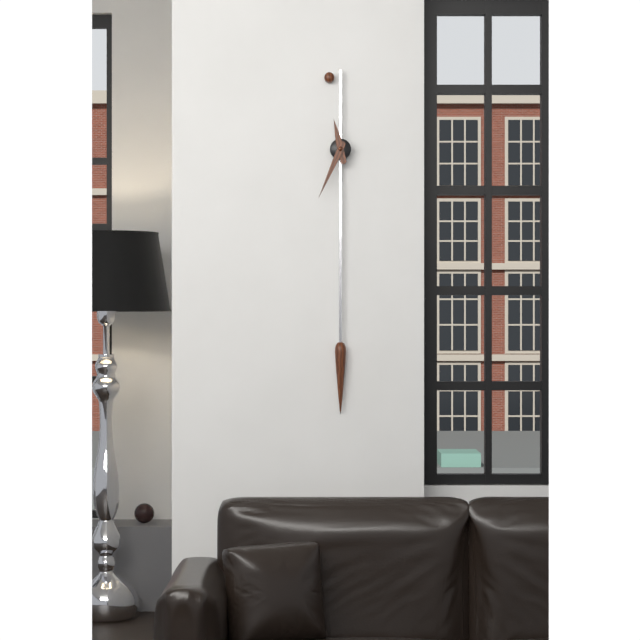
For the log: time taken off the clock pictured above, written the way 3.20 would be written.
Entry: 11.34
